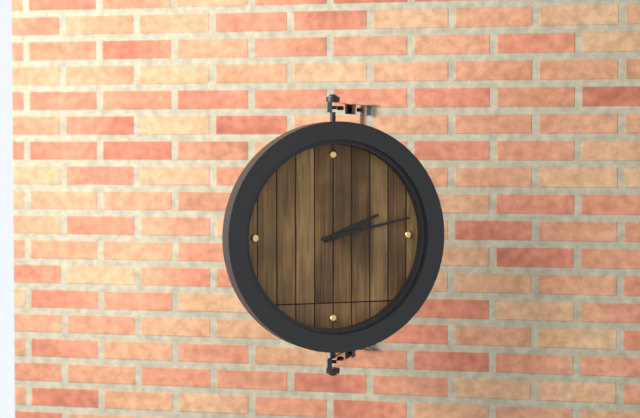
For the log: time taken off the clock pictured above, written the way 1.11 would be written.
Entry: 2.13
